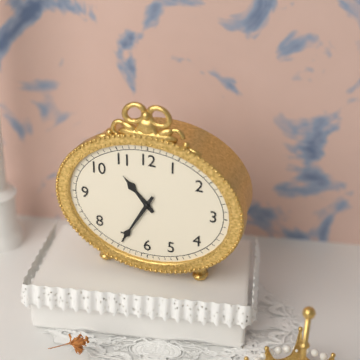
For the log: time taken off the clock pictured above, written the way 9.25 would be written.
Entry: 10.35
